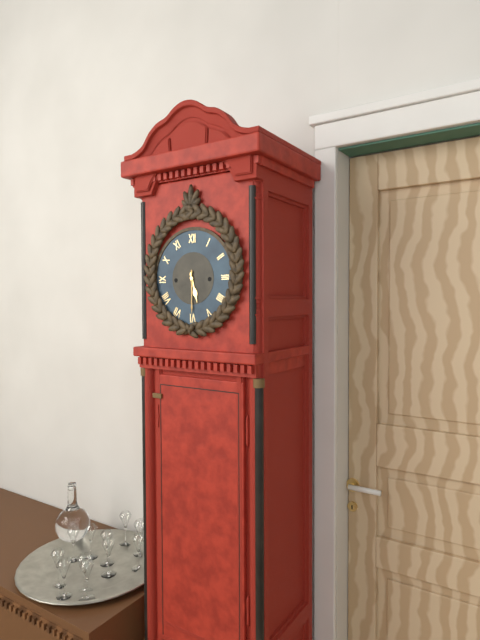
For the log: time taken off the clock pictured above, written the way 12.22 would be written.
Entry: 5.30
